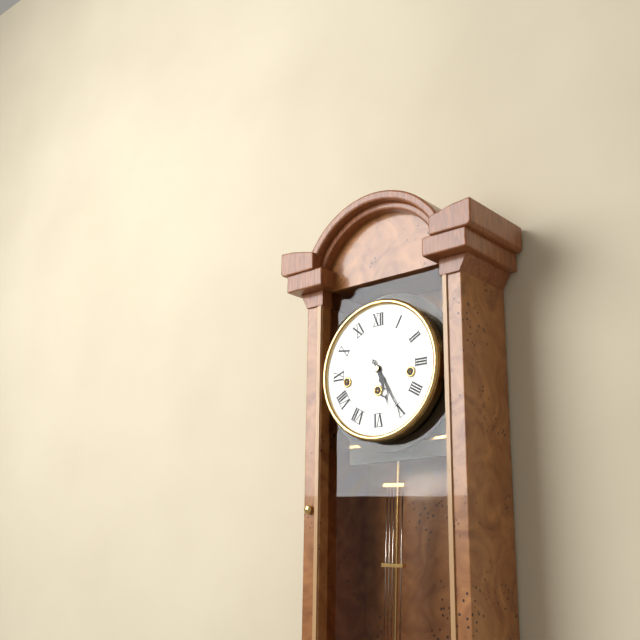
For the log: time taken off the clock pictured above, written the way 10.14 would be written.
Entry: 5.25
